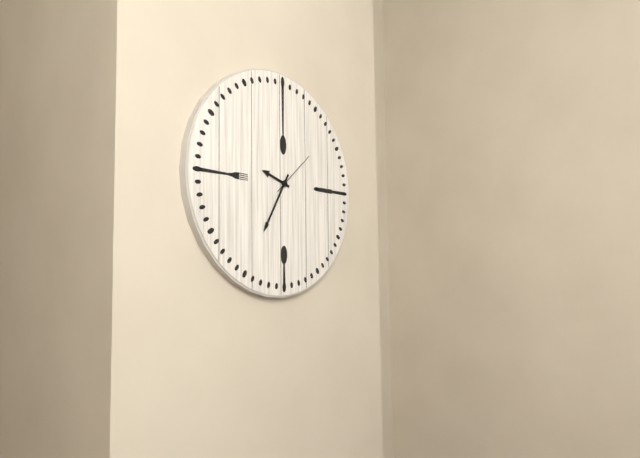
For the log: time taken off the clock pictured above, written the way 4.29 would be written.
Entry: 9.35
